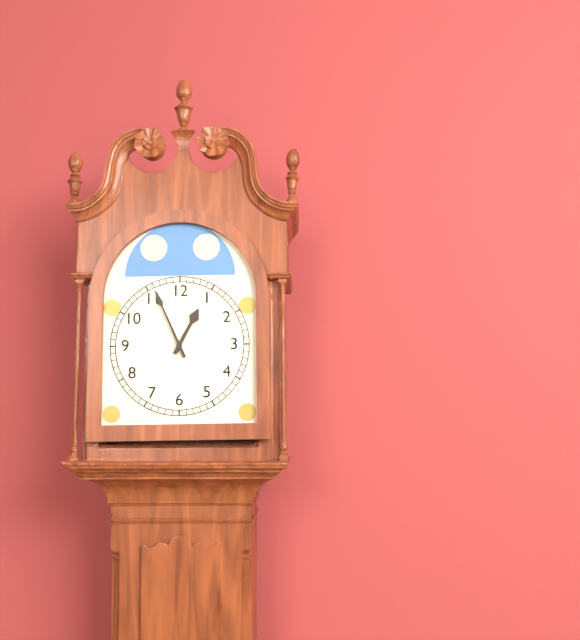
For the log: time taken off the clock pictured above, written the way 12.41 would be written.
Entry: 12.56
